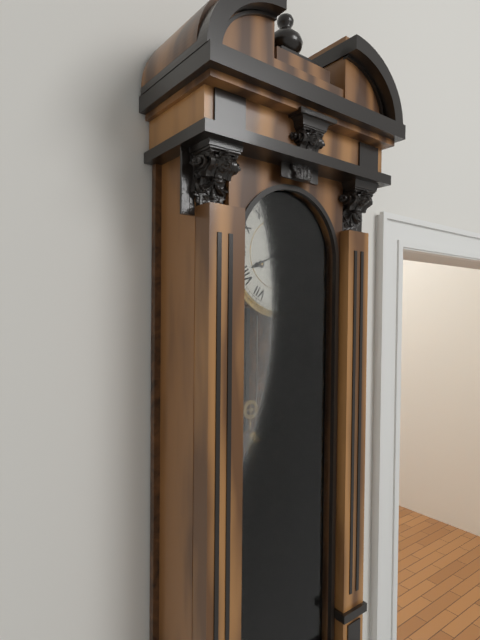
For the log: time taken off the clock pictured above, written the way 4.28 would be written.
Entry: 8.11
